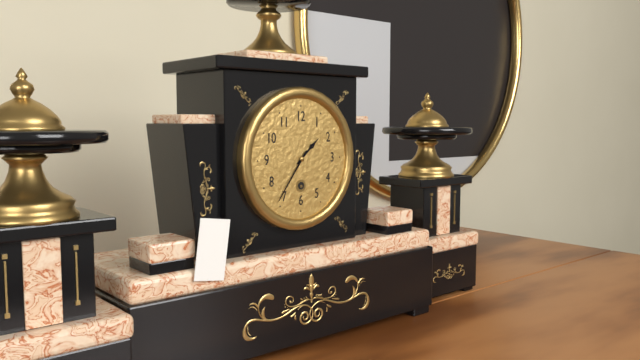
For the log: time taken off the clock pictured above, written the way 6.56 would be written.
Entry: 1.36
